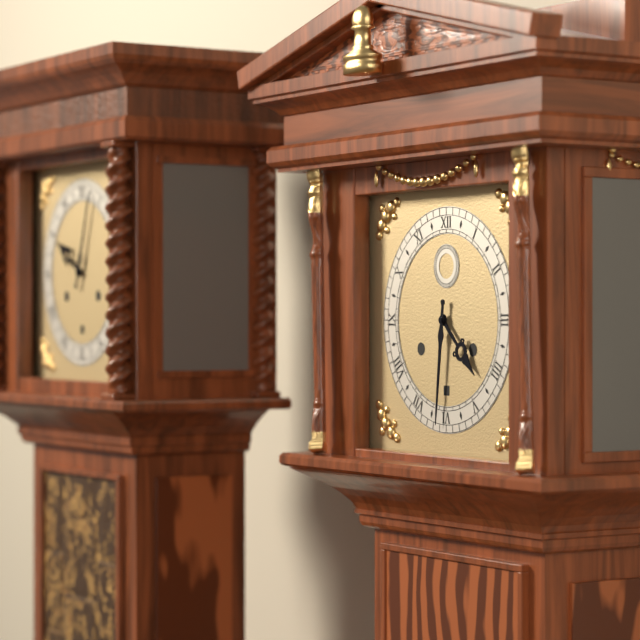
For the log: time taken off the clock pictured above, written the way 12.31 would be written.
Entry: 4.31
